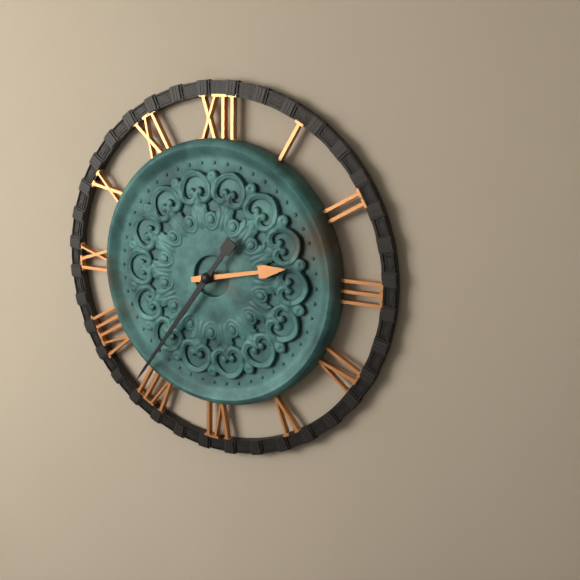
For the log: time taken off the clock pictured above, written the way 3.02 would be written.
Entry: 2.36
